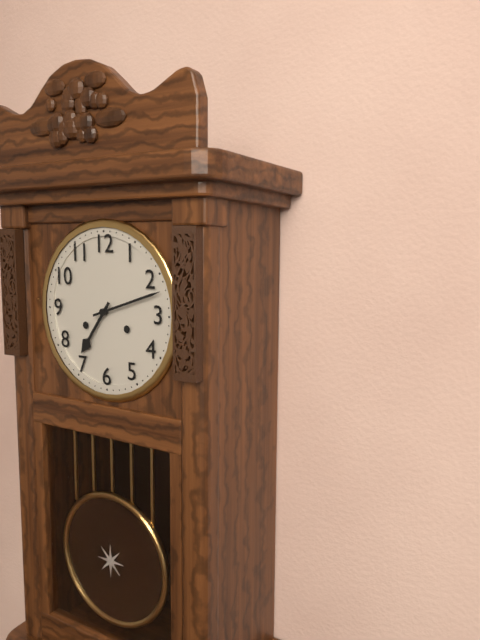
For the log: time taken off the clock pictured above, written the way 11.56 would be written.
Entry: 7.12
